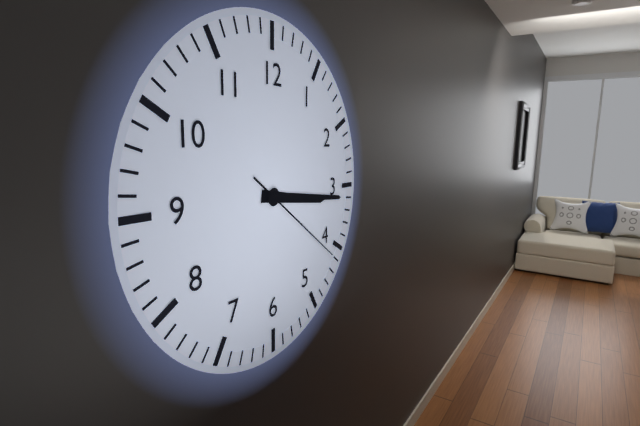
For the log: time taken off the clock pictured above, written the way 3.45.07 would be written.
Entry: 3.16.21
